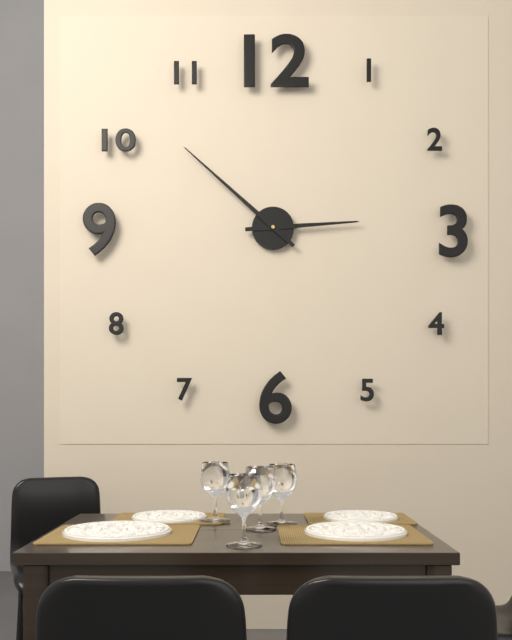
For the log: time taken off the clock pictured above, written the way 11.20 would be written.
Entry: 2.52
